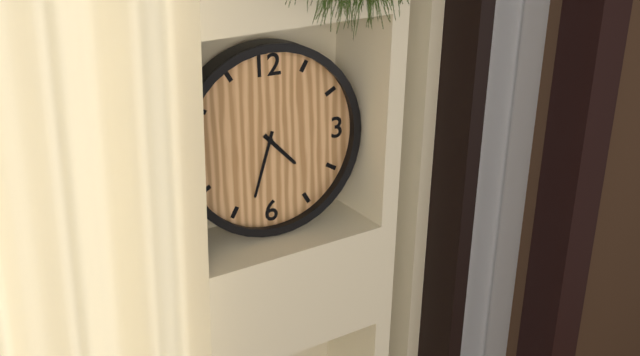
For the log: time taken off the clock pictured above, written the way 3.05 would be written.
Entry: 4.33
